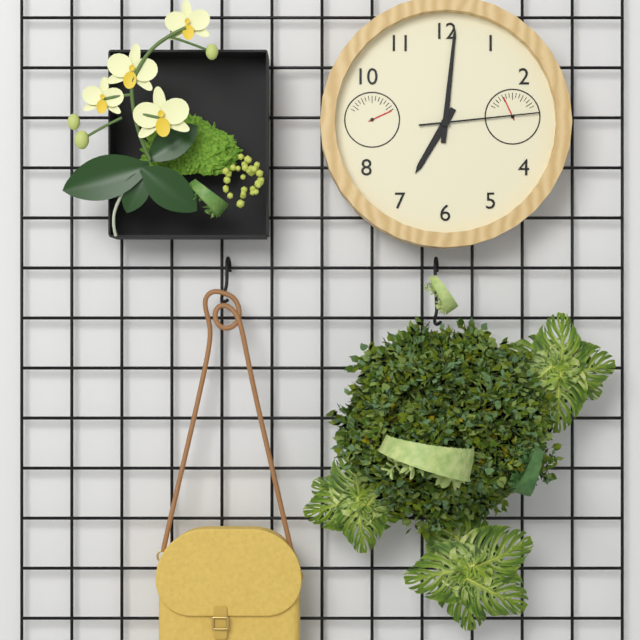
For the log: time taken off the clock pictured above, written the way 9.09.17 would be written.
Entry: 7.01.14
